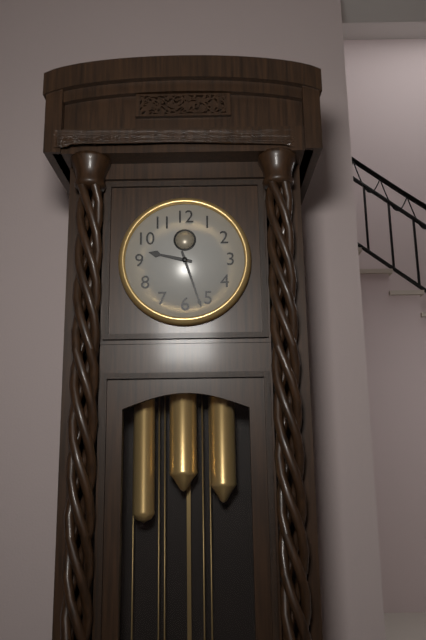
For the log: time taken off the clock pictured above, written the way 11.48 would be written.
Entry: 9.27
